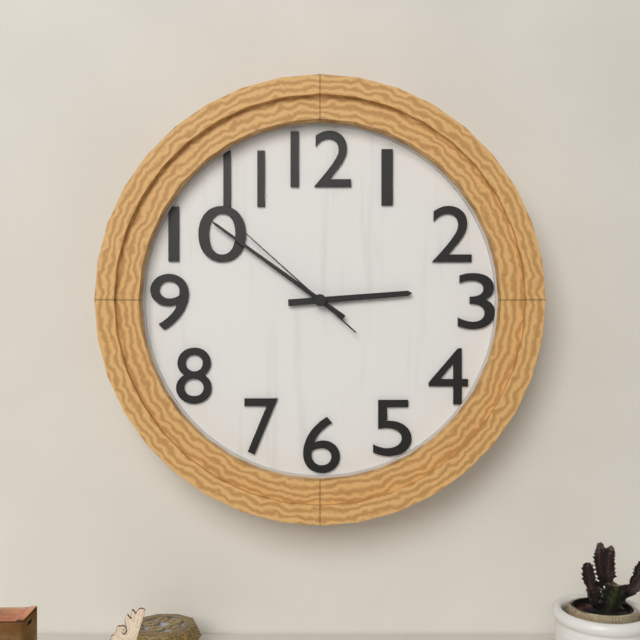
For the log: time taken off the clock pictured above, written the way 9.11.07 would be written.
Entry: 2.51.52
